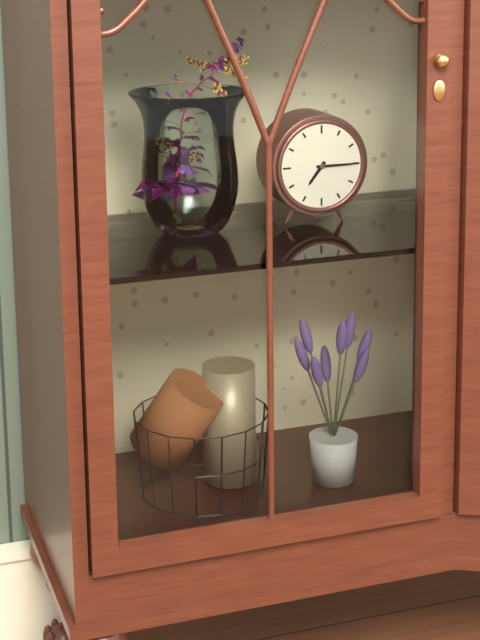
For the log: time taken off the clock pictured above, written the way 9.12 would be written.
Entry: 7.15
